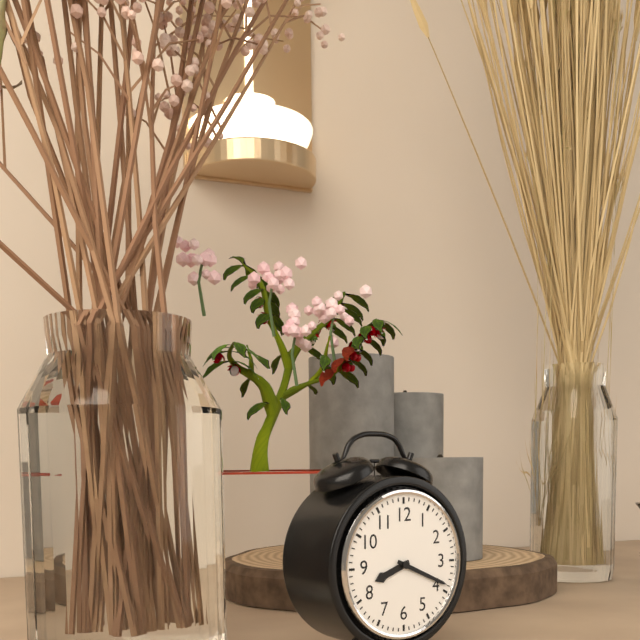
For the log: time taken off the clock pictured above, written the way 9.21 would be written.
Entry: 8.19
